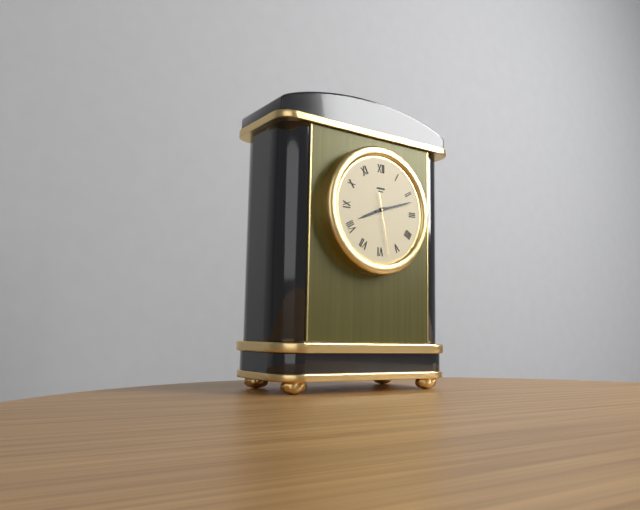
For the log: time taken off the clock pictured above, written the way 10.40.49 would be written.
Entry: 8.12.28
